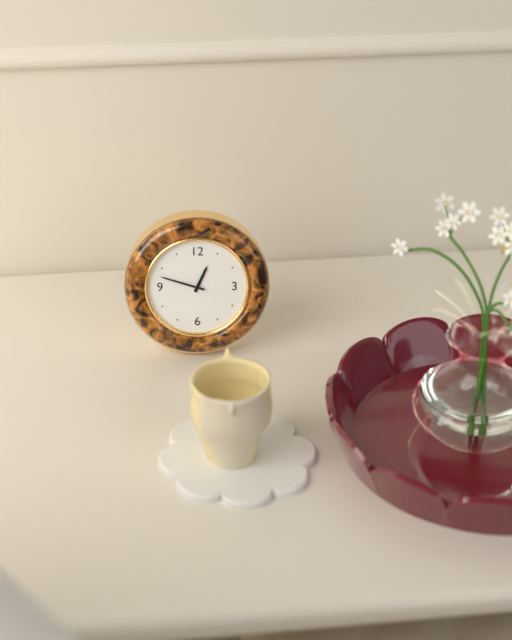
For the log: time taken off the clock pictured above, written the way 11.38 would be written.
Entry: 12.48
